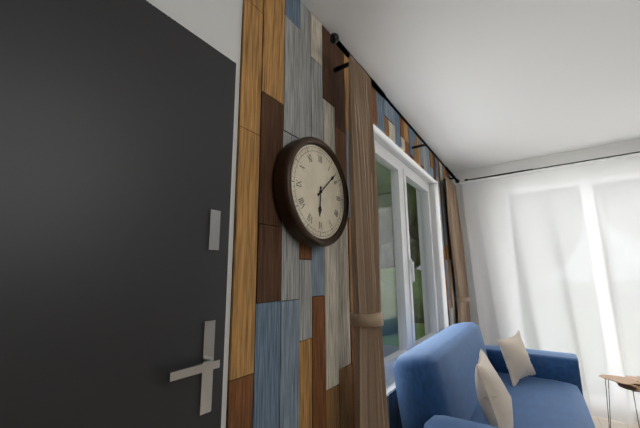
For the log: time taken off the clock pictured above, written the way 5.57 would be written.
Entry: 6.08
